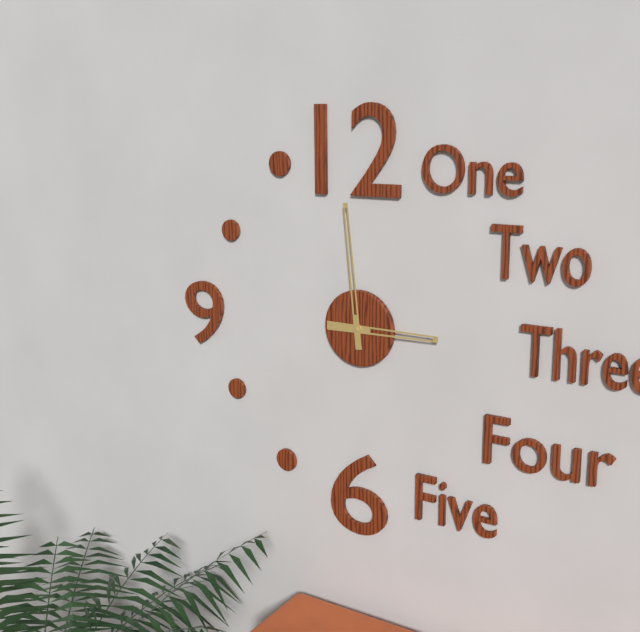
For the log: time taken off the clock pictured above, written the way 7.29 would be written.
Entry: 2.59
